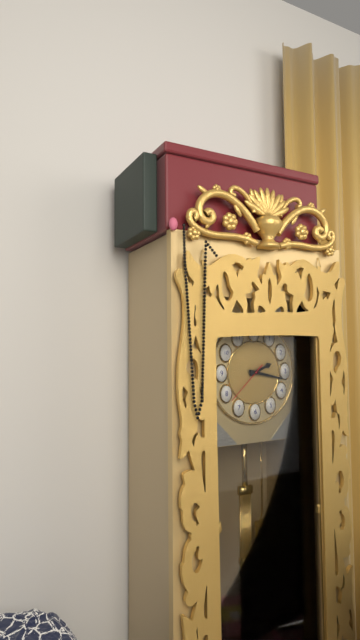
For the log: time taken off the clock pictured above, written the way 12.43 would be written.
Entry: 2.17
